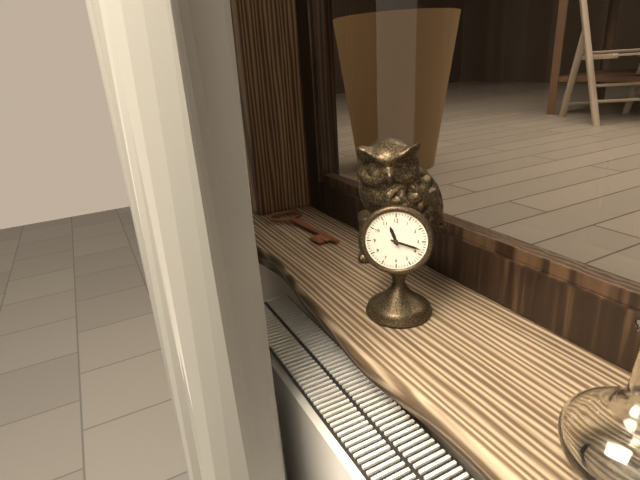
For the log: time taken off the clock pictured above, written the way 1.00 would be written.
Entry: 11.18
